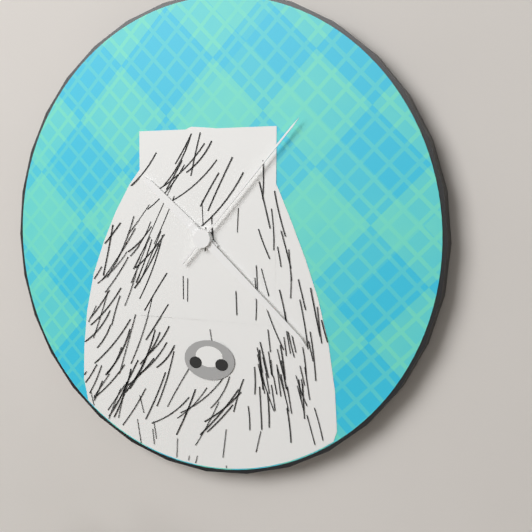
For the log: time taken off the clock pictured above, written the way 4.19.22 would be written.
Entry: 10.22.07
